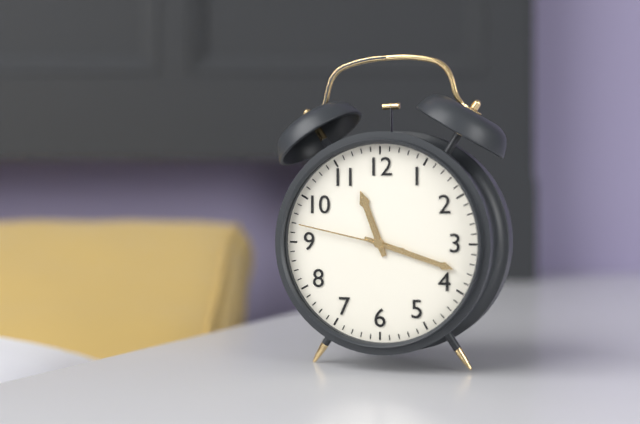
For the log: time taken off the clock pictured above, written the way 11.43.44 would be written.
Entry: 11.18.47
